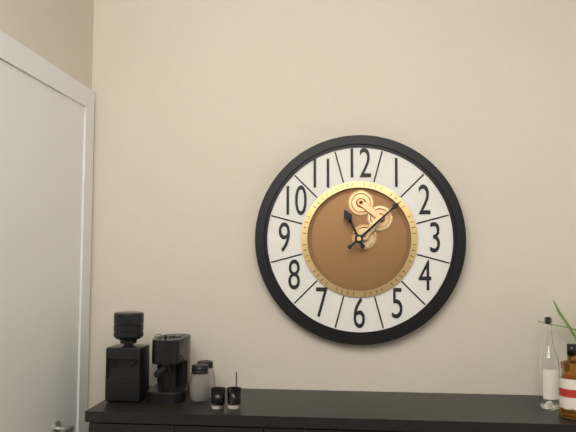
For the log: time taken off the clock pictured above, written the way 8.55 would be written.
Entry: 11.08
